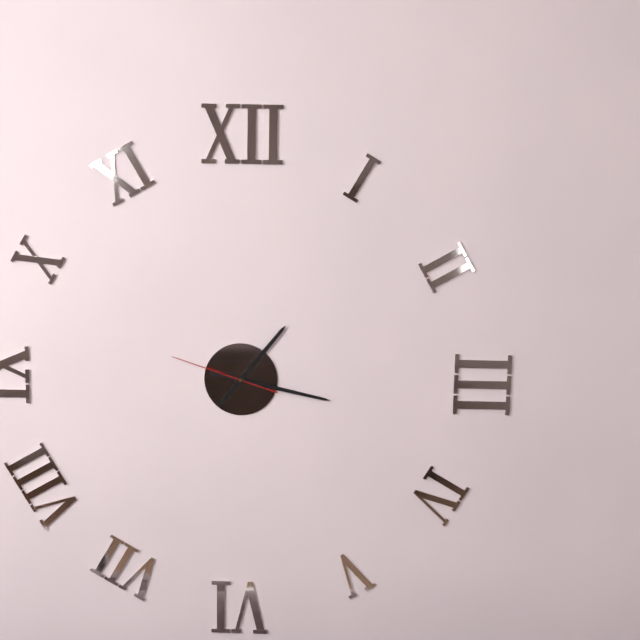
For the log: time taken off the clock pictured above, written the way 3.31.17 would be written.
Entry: 1.17.48
